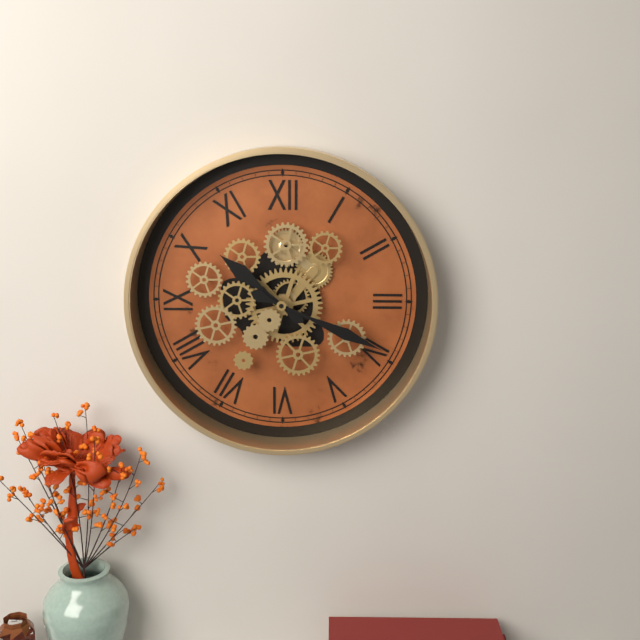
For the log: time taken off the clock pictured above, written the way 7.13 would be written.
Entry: 10.19
